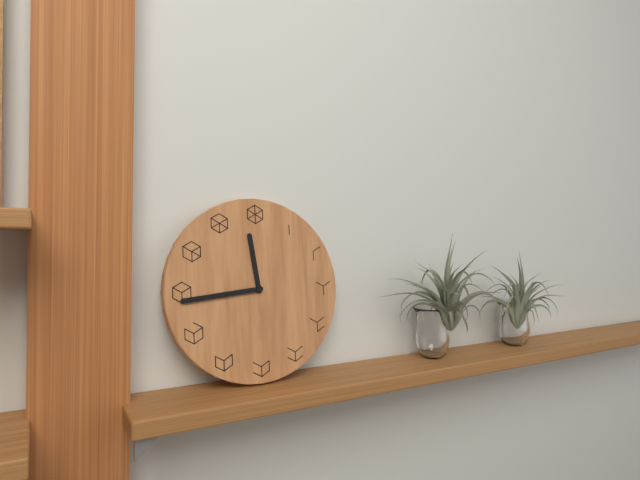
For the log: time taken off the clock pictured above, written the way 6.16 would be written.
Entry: 11.44
